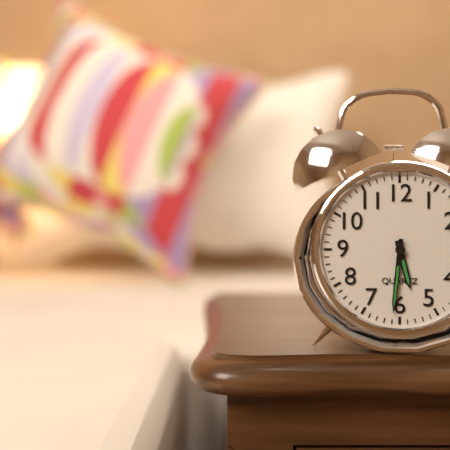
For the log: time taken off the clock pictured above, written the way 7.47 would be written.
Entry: 5.31
